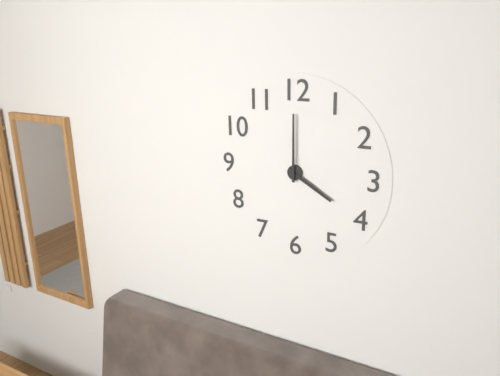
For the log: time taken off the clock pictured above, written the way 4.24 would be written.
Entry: 4.00
